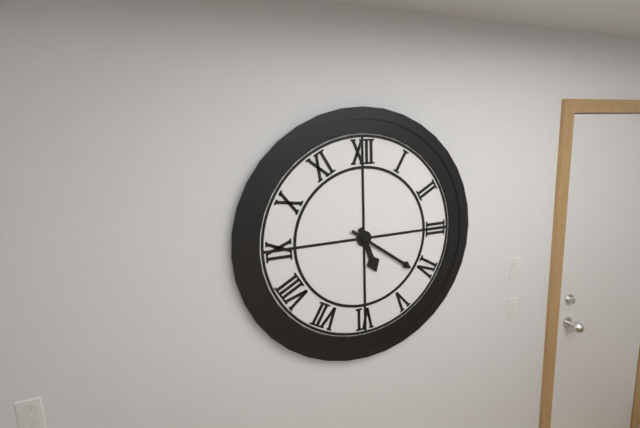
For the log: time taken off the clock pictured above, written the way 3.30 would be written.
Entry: 5.21
